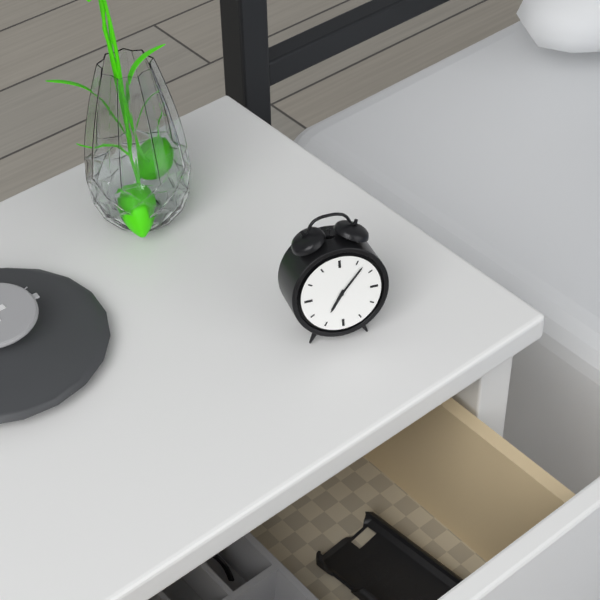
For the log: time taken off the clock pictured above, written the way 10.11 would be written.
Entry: 7.07
